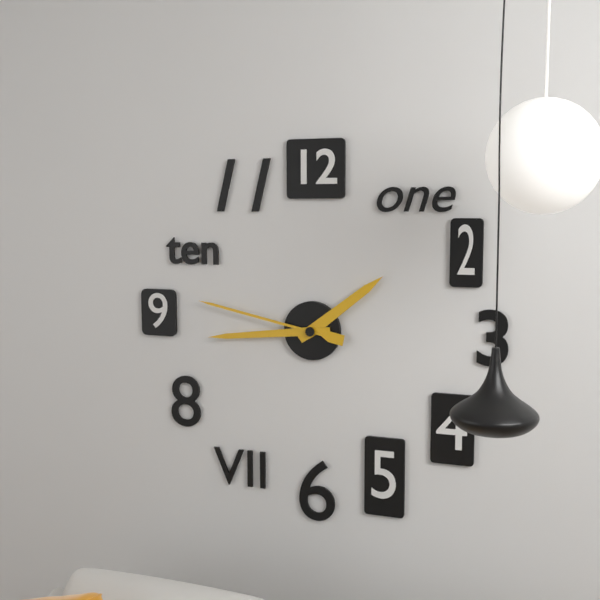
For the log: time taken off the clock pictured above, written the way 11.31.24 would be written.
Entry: 1.44.47
